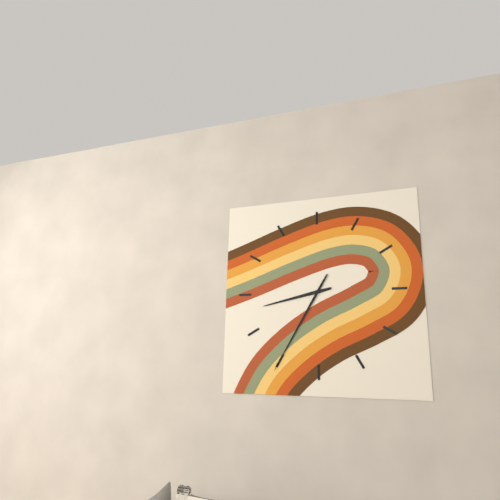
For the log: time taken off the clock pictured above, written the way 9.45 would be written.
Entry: 8.35
